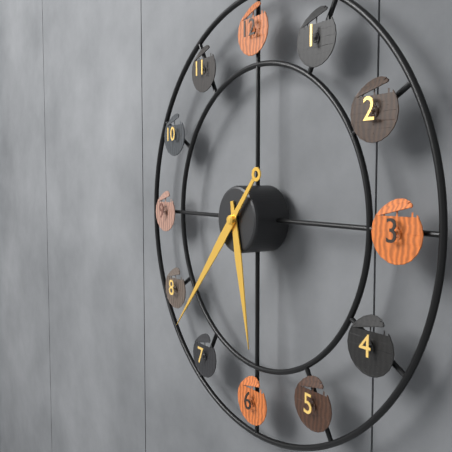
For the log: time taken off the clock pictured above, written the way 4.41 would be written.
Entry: 5.37
